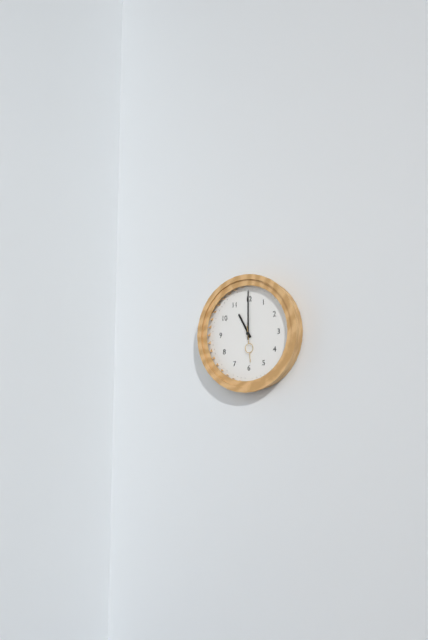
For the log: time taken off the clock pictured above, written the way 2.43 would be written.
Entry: 11.00
